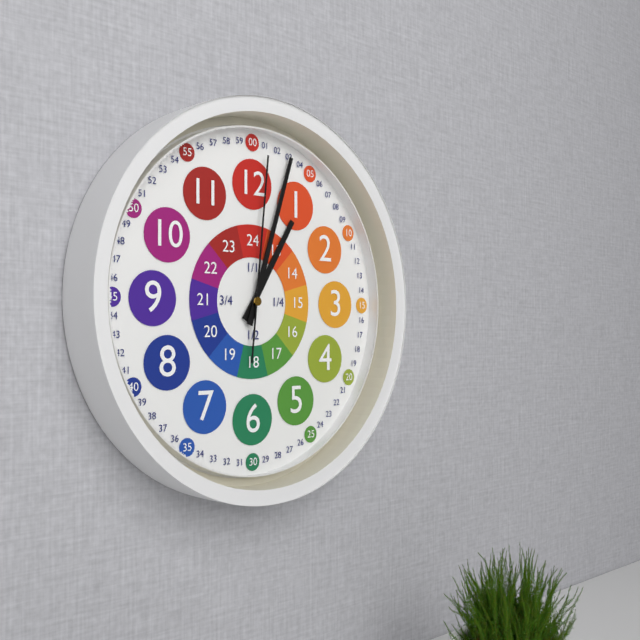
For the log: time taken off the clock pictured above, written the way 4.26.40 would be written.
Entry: 1.03.01
